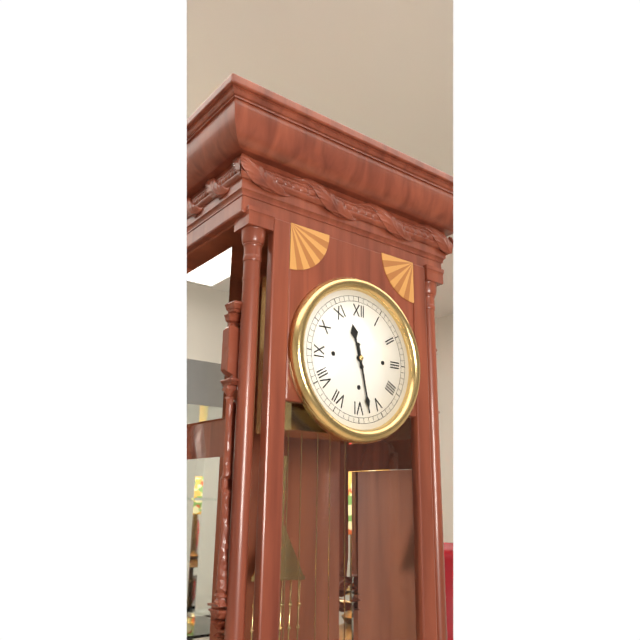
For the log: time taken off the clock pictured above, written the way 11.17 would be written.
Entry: 11.28
